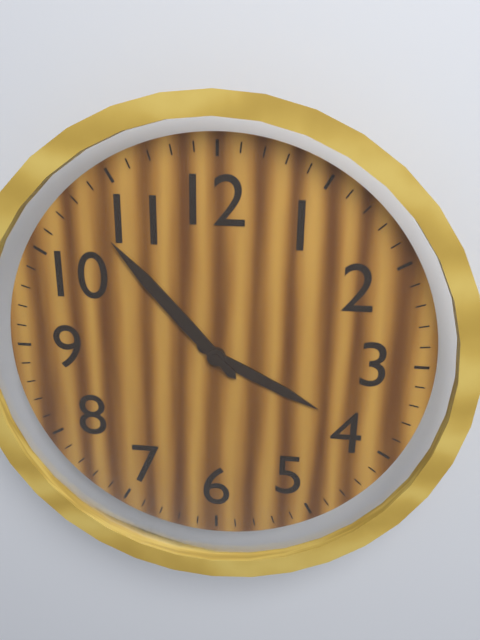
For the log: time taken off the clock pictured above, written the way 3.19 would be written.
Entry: 3.53
